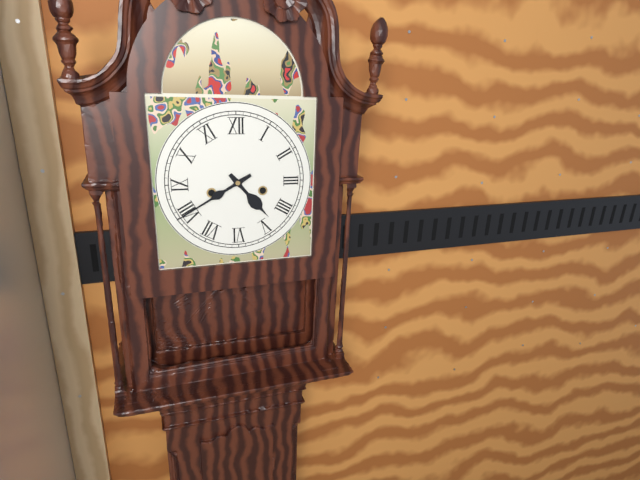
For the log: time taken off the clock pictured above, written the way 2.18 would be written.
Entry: 4.40
